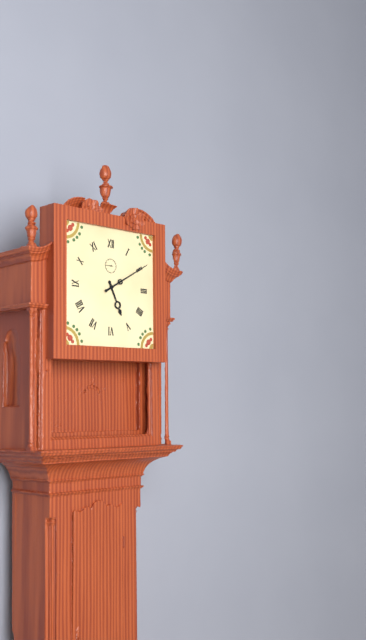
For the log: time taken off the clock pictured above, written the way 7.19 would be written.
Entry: 5.10
